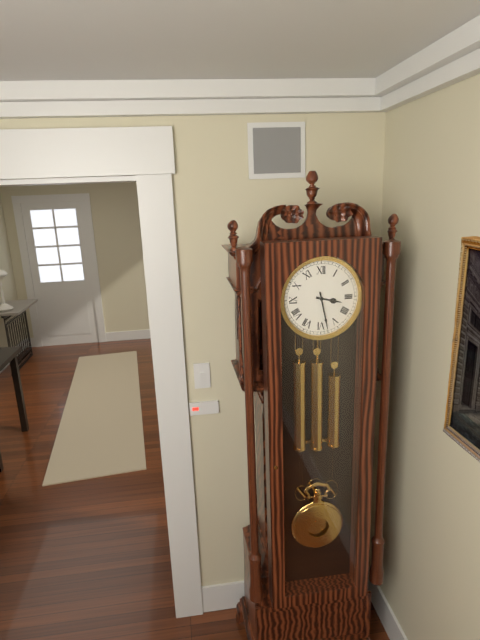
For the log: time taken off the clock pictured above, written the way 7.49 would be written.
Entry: 3.28
